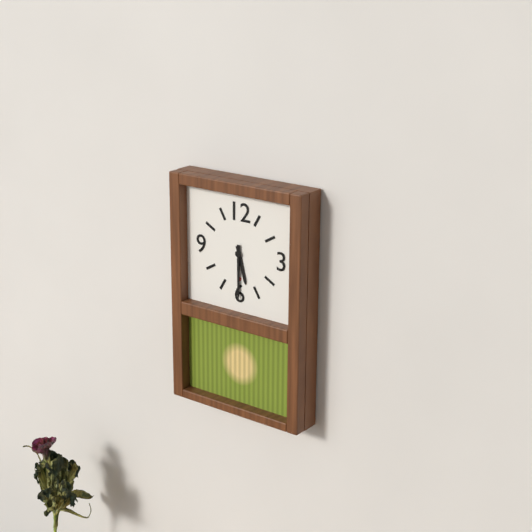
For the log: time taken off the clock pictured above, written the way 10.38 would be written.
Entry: 5.30
